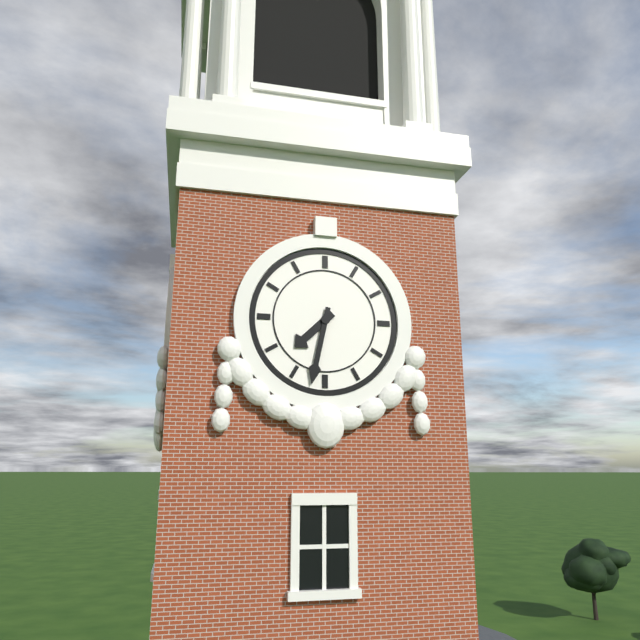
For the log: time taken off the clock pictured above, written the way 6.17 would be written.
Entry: 7.32
